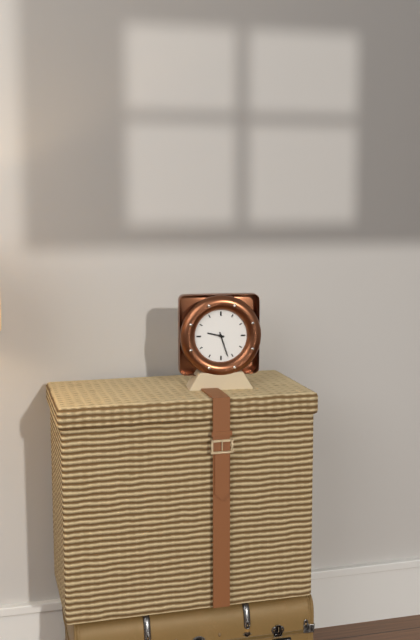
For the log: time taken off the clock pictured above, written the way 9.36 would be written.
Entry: 9.27
